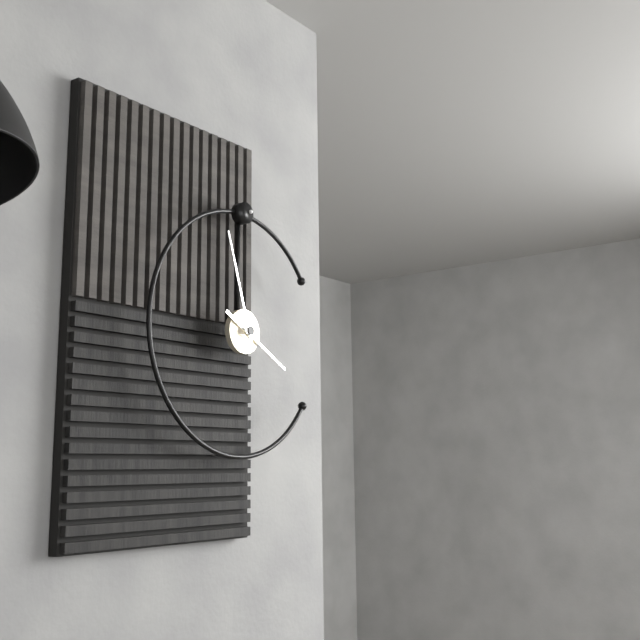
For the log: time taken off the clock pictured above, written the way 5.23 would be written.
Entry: 3.57
